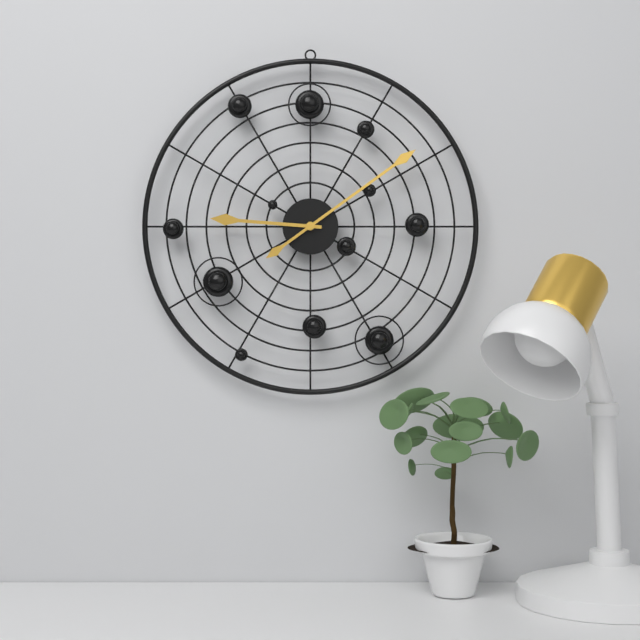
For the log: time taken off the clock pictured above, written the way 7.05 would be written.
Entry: 9.09
